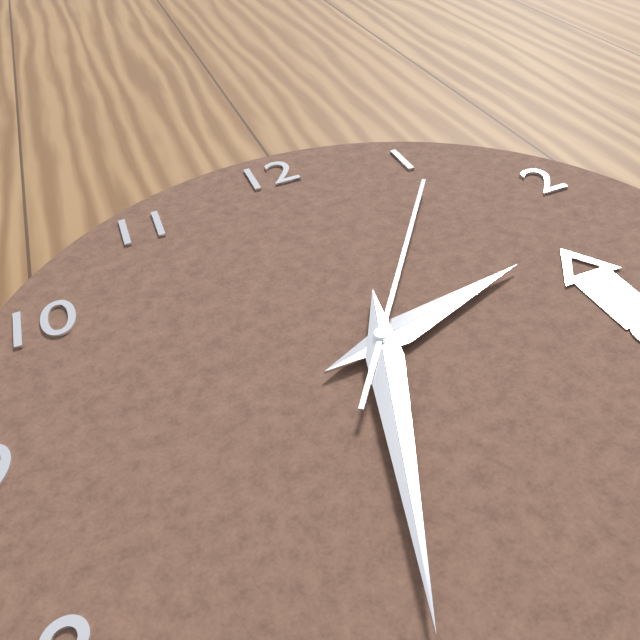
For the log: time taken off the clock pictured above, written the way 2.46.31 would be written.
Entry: 2.33.06
